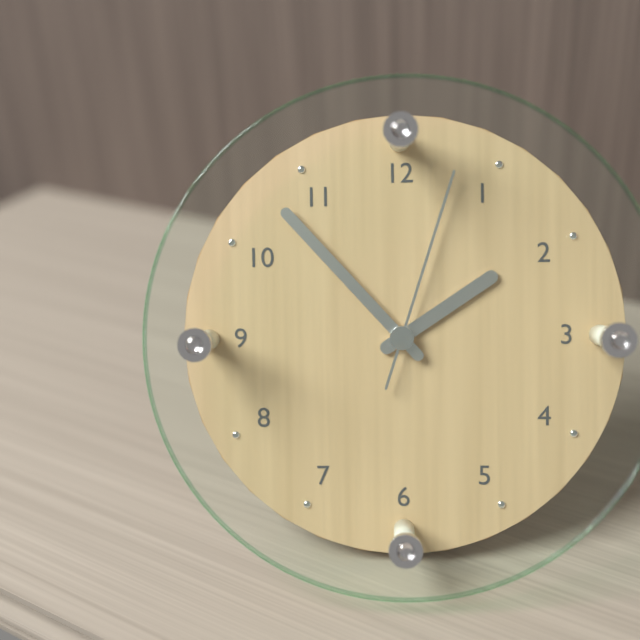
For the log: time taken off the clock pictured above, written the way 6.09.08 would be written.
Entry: 1.53.03
